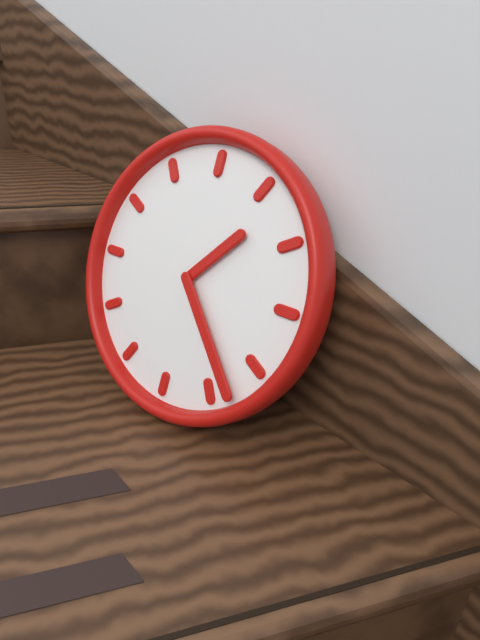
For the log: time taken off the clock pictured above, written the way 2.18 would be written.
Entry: 1.23
